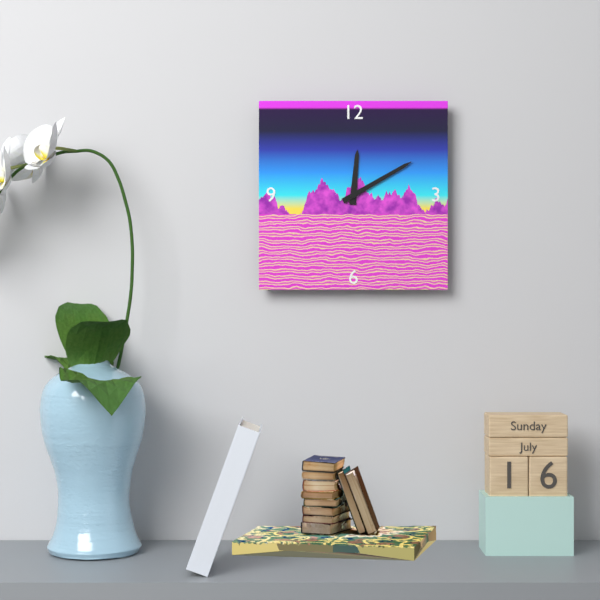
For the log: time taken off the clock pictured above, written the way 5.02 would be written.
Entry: 12.10
